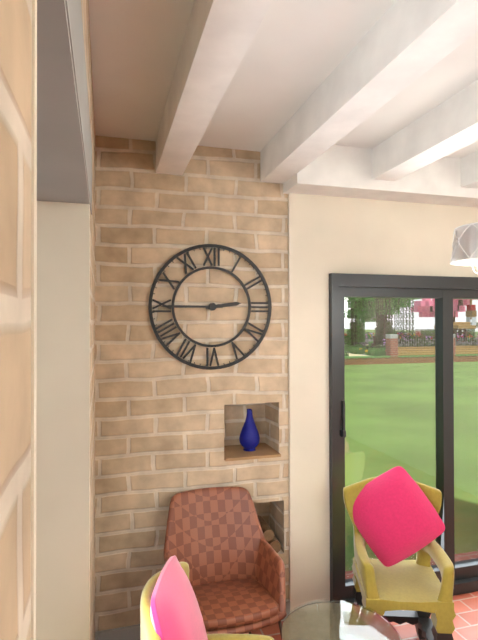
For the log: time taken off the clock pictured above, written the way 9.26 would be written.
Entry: 2.45
